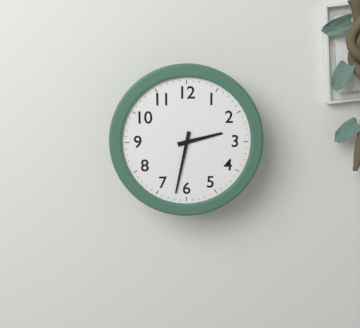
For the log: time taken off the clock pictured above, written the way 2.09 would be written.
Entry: 2.32
